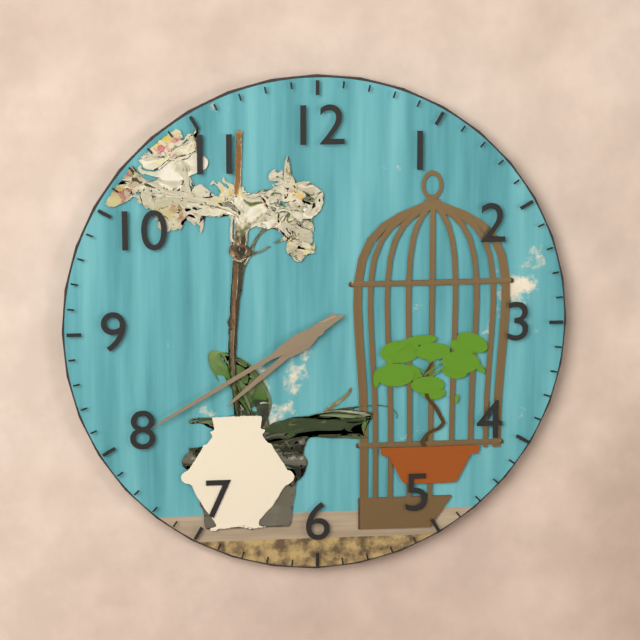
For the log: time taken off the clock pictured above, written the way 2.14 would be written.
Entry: 7.40
